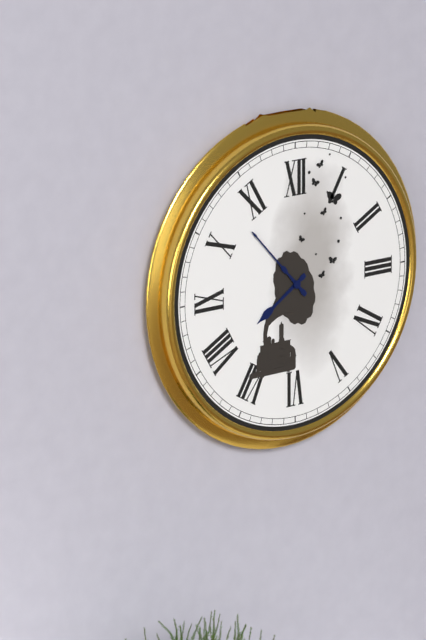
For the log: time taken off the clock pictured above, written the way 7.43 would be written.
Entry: 7.53
